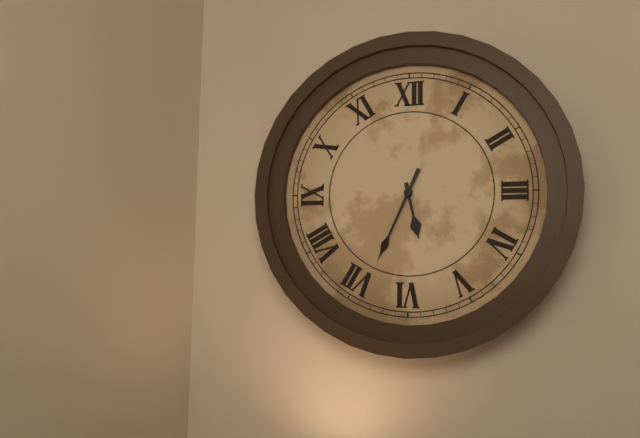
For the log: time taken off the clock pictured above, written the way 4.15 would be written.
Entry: 5.34
